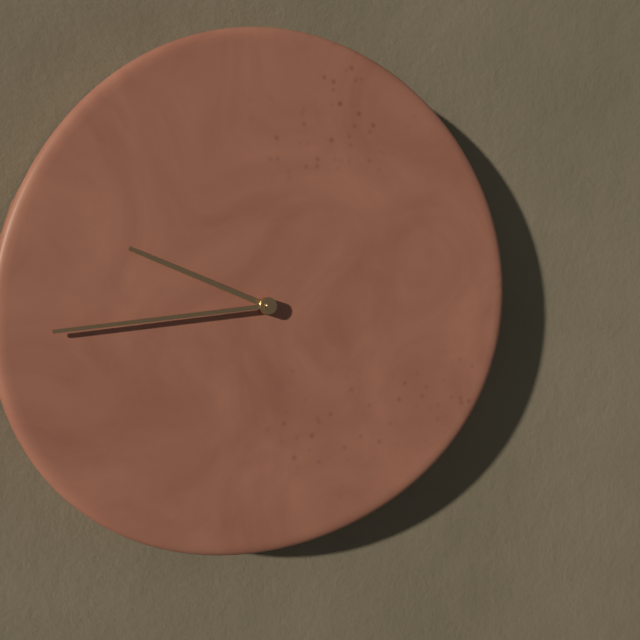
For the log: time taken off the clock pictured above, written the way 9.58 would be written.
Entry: 9.44
